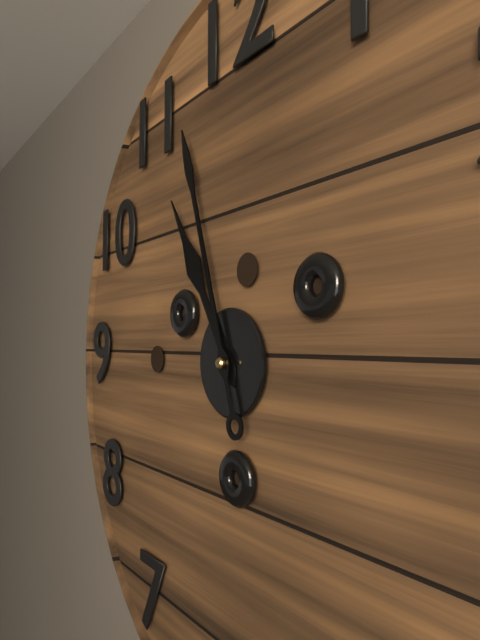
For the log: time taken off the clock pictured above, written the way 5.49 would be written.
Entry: 10.57
